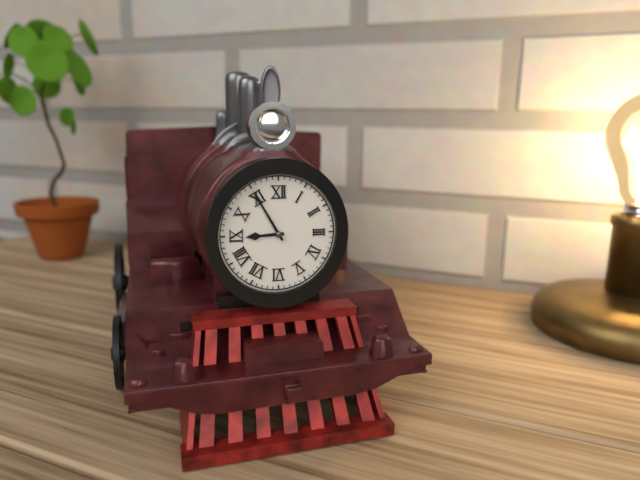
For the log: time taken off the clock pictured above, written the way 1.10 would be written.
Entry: 8.55
